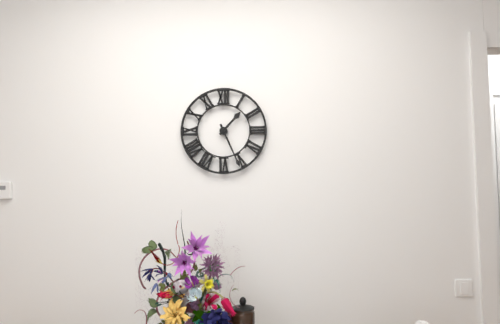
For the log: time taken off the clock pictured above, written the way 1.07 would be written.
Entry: 1.26
